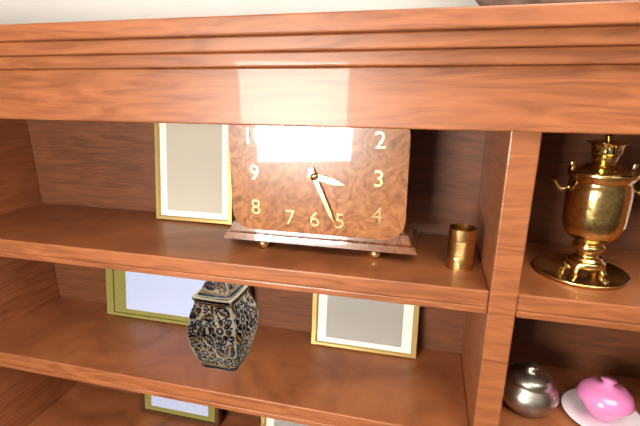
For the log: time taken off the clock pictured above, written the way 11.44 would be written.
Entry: 3.26
